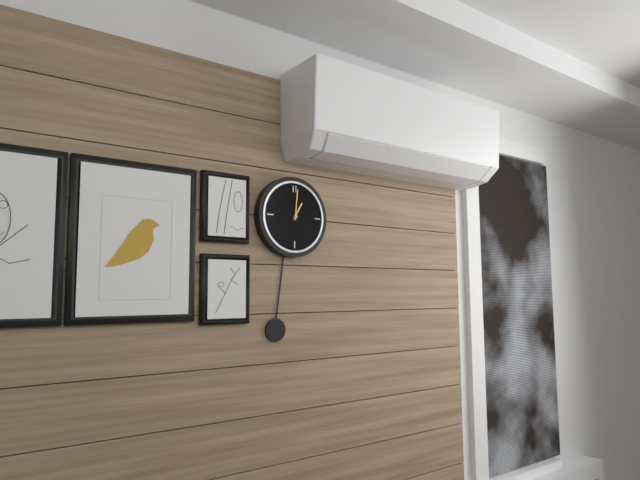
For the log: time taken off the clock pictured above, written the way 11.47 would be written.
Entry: 1.01
